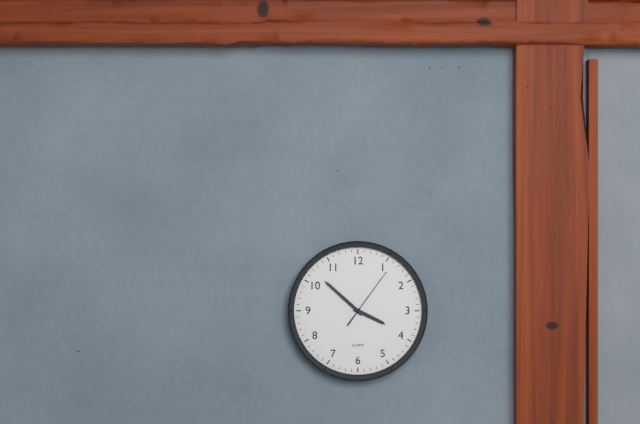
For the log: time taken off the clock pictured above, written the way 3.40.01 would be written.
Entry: 3.52.06
